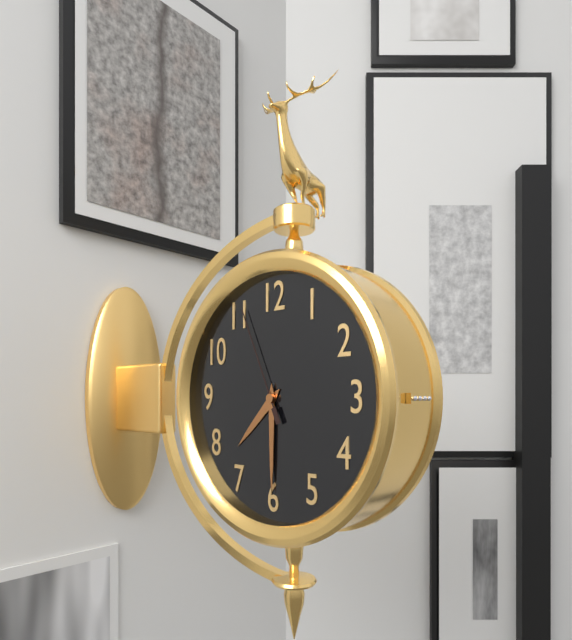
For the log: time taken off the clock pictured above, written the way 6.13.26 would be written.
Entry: 7.30.56
